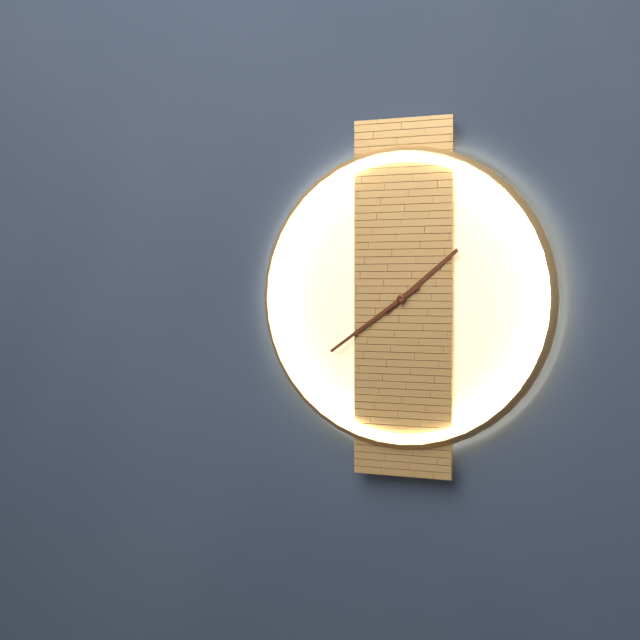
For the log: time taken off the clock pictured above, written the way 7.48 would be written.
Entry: 1.39
